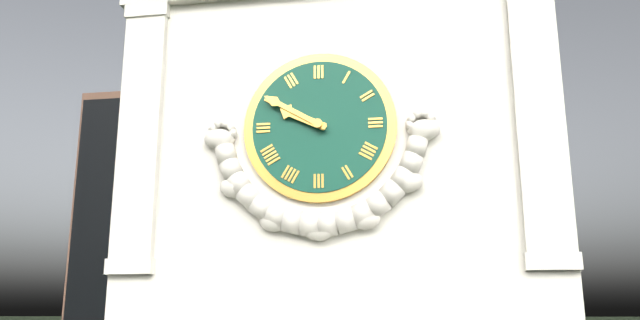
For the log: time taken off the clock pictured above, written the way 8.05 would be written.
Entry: 9.50
